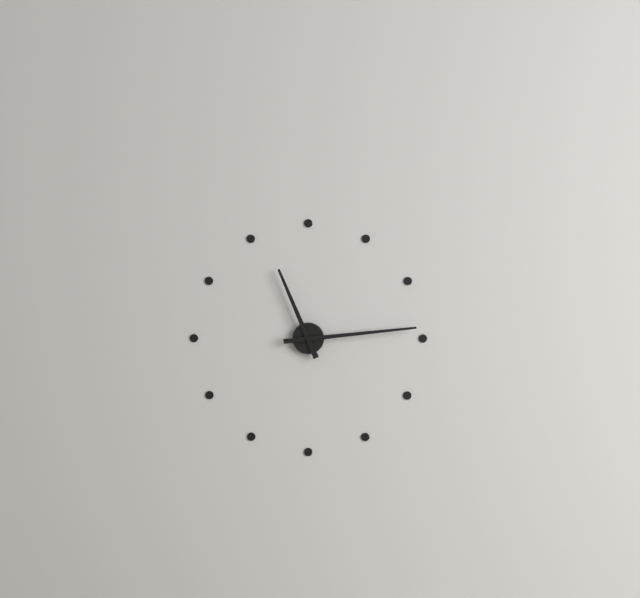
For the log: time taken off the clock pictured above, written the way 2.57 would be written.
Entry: 11.14
